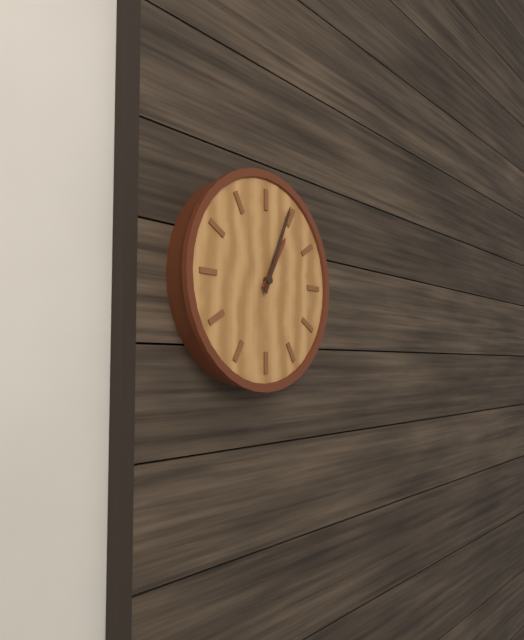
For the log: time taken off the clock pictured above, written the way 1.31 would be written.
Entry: 1.04
